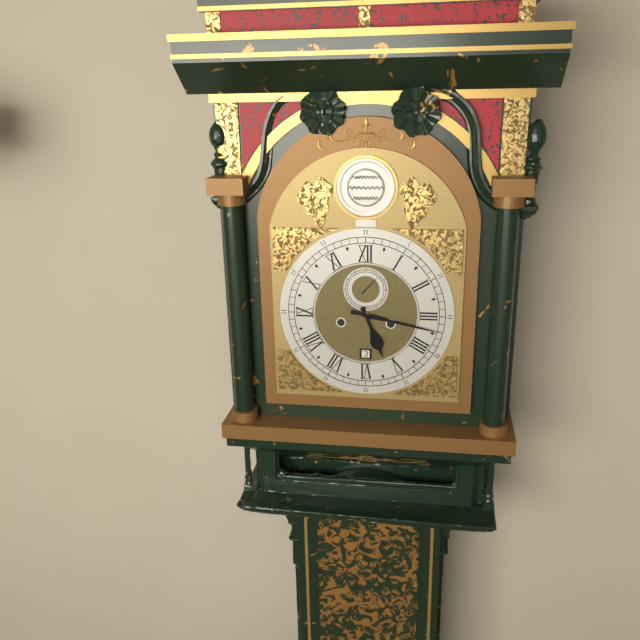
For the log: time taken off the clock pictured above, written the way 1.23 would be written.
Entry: 5.17
